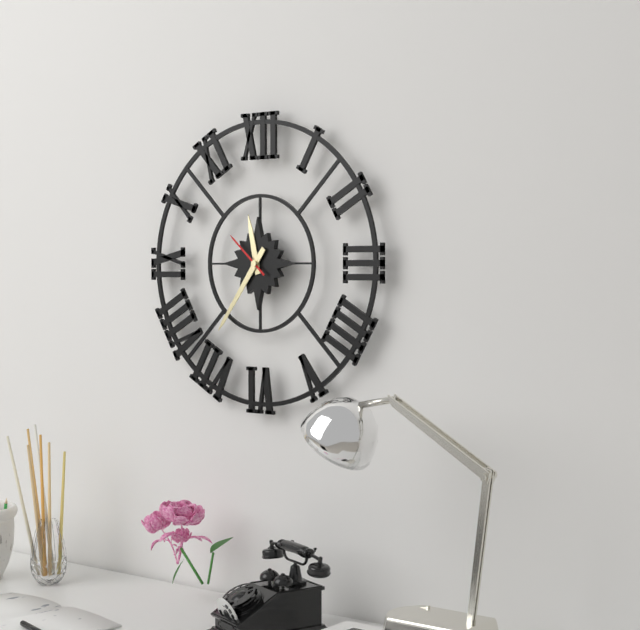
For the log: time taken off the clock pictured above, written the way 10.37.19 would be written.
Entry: 11.36.52
